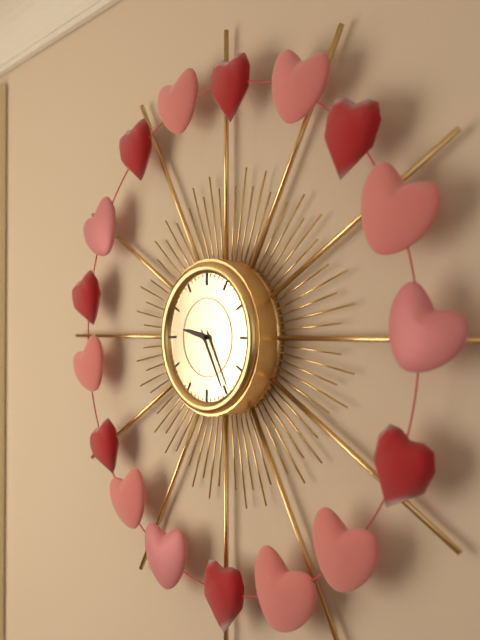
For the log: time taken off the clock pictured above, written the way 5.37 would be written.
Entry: 9.25
